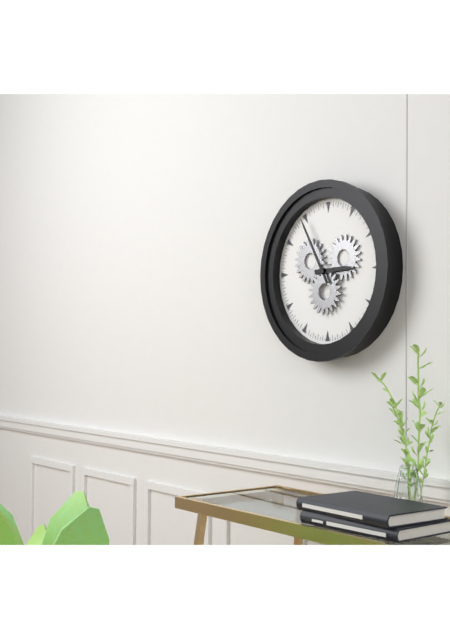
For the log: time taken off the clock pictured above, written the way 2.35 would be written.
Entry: 2.55
